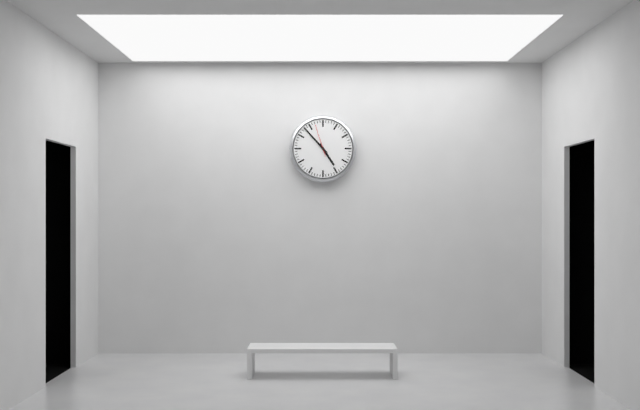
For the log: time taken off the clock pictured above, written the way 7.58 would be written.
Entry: 4.53
